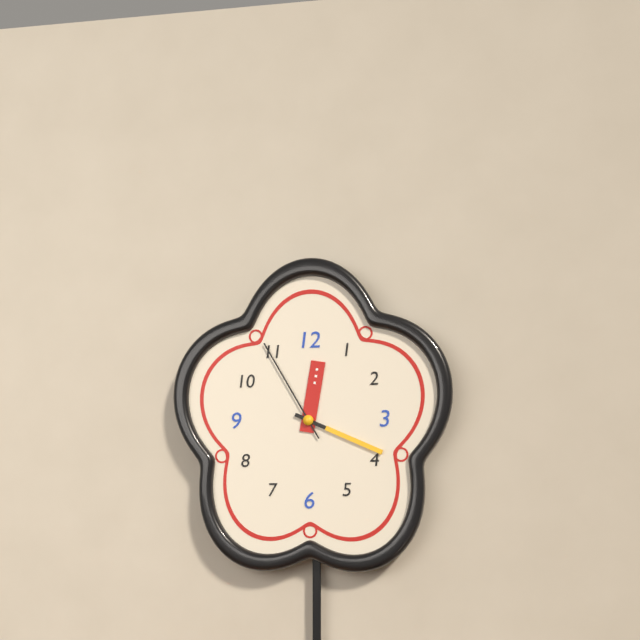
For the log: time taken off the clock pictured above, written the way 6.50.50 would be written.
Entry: 12.19.55
